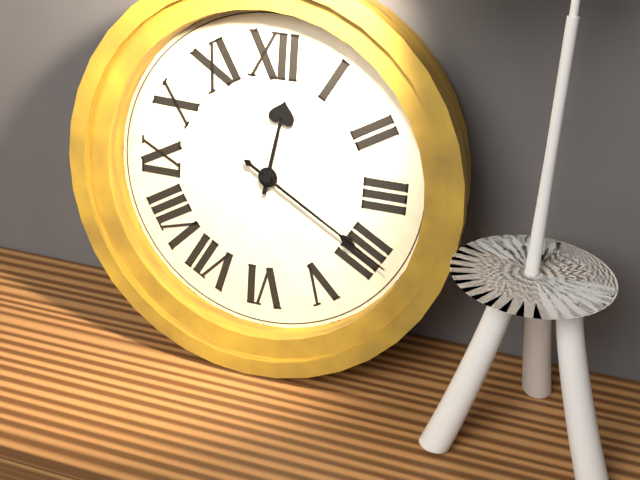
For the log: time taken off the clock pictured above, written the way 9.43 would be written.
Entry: 12.20
